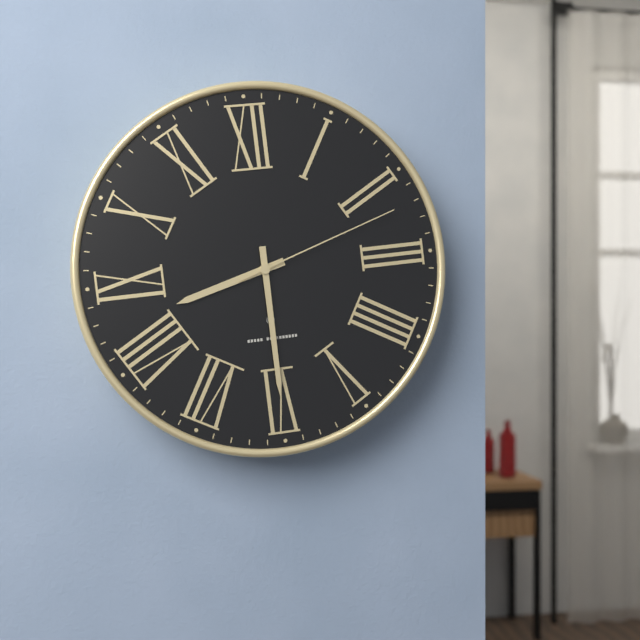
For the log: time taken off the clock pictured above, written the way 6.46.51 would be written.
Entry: 8.30.12
